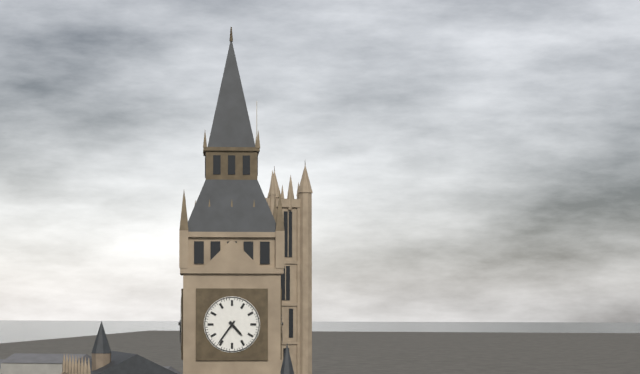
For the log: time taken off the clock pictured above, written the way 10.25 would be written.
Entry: 4.36
